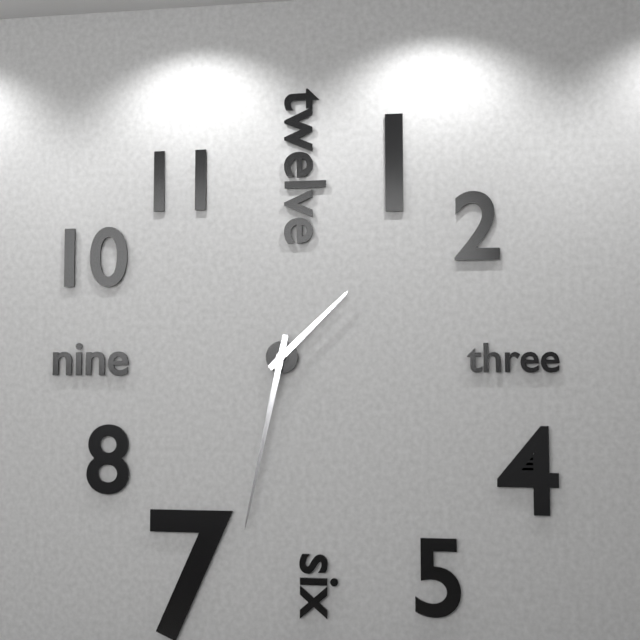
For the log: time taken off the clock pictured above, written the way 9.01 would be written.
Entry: 1.32
